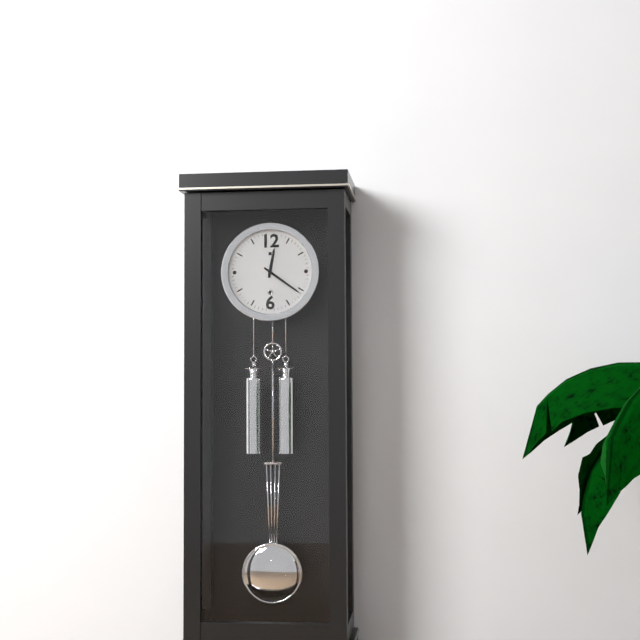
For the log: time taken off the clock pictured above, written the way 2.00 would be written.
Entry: 12.21
